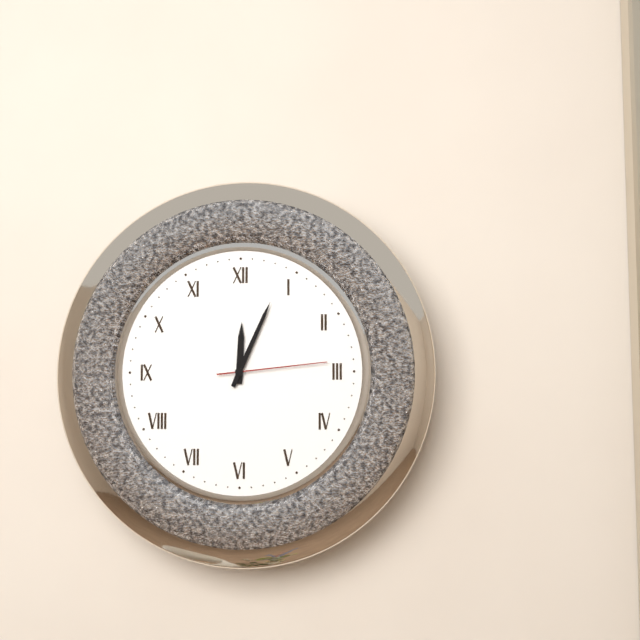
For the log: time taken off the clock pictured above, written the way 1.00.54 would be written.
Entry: 12.04.14
